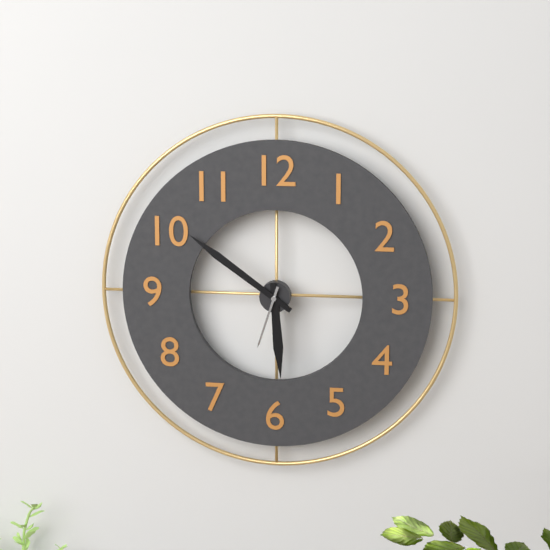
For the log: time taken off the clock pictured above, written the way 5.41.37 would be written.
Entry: 5.51.33
